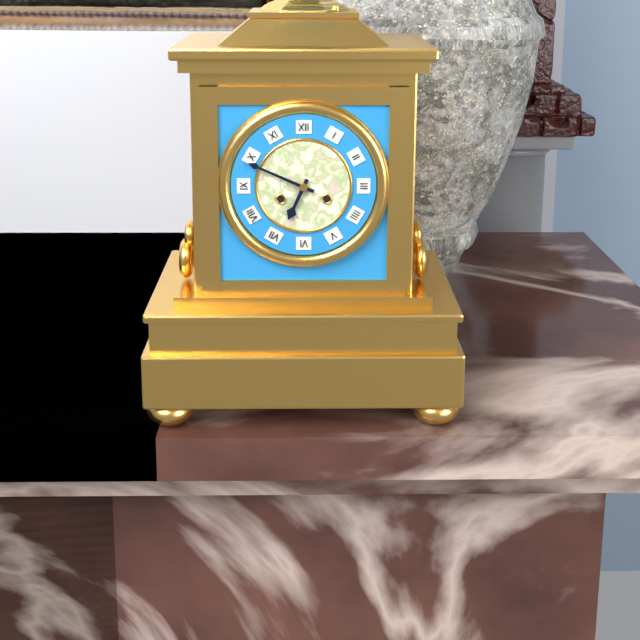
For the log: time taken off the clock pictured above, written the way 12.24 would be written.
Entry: 6.49
